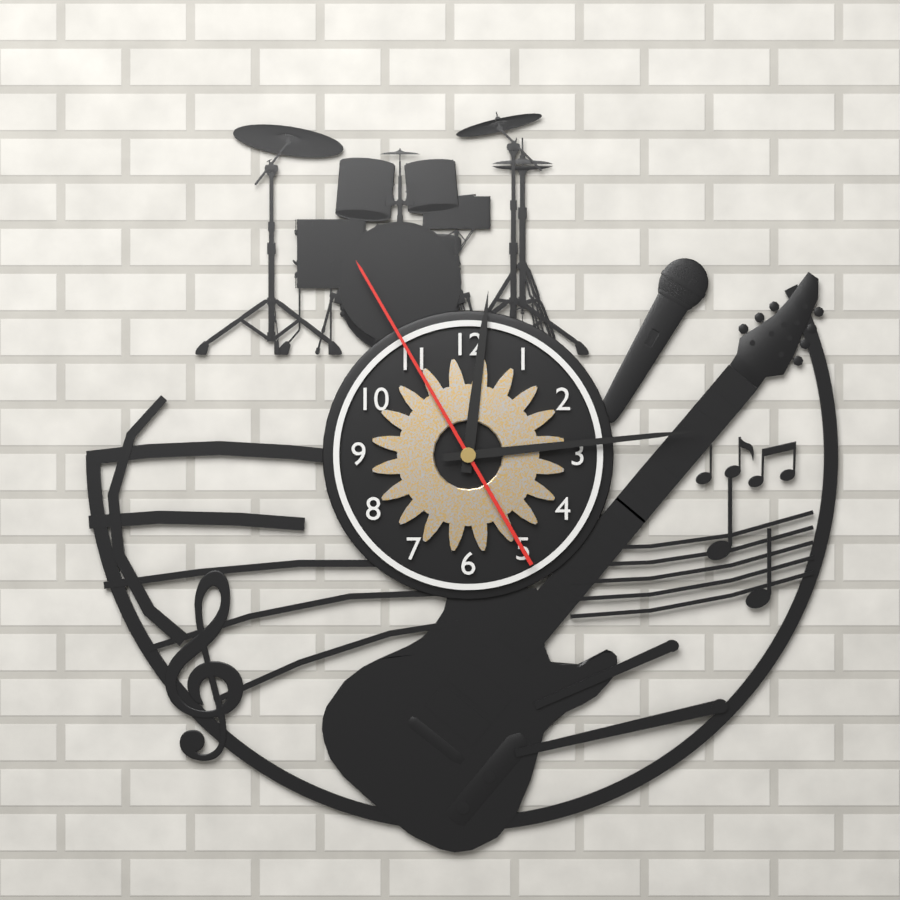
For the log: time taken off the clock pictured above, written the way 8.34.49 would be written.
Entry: 12.14.55
